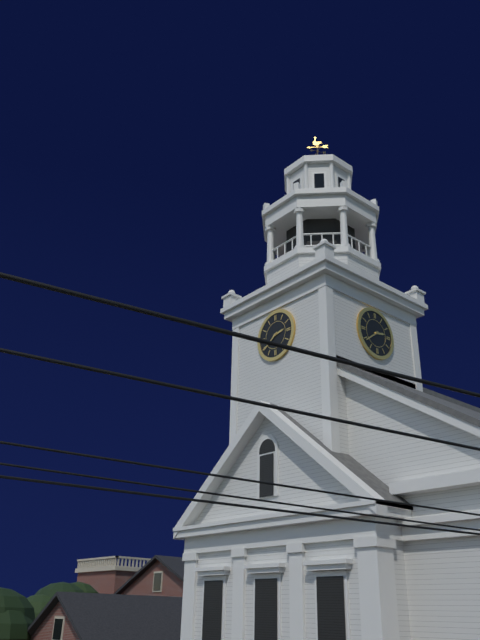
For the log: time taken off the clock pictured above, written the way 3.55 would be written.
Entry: 2.39
